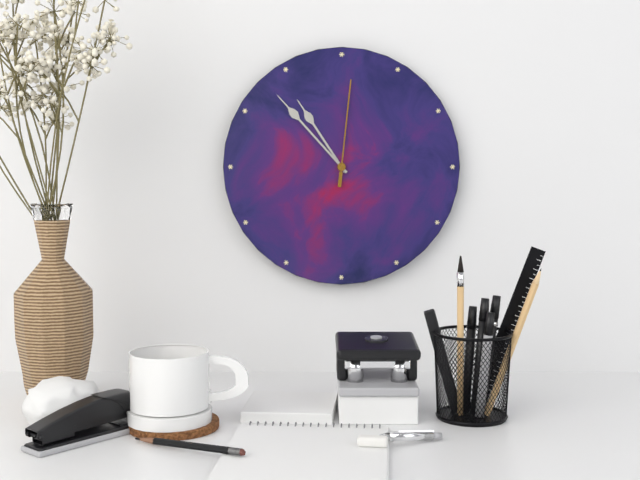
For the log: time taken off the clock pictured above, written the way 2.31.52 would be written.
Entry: 10.53.01
